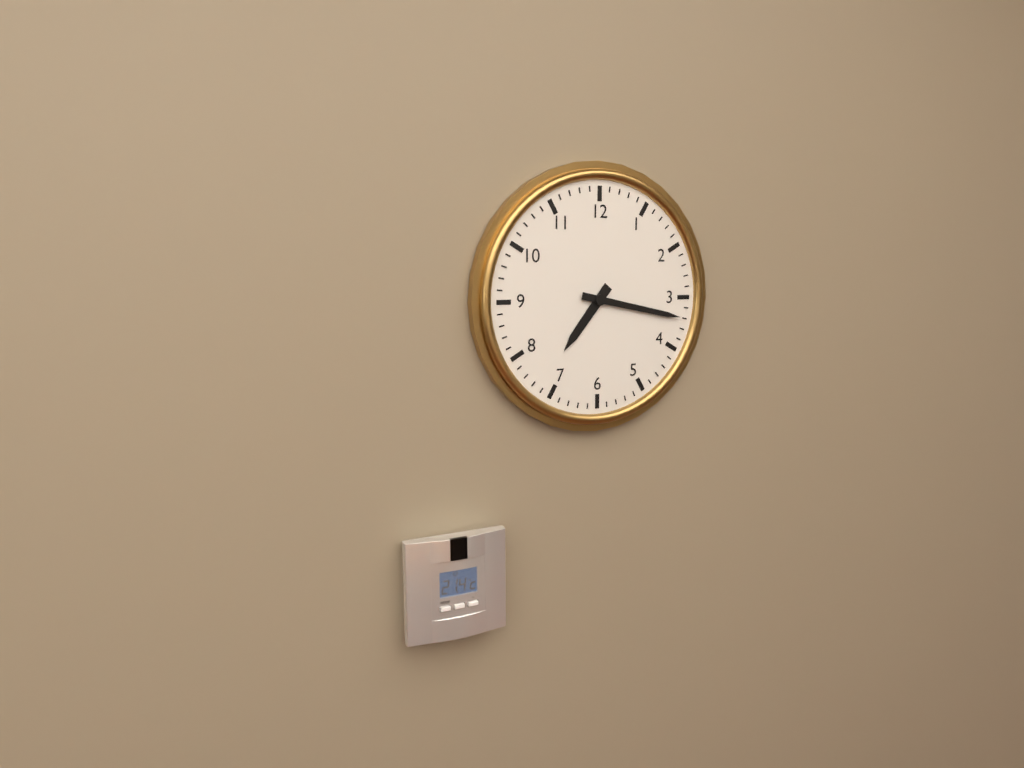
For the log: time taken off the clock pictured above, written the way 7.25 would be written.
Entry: 7.17
